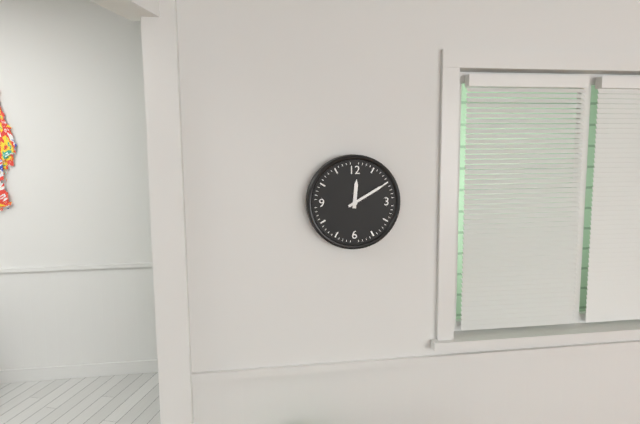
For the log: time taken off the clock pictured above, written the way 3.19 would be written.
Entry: 12.10
